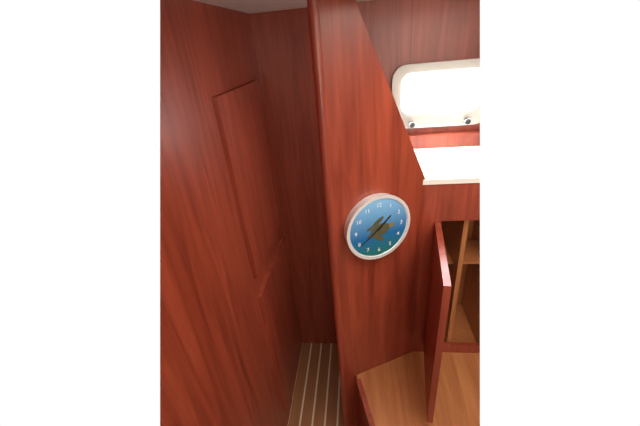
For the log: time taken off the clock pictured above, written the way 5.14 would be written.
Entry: 1.39
